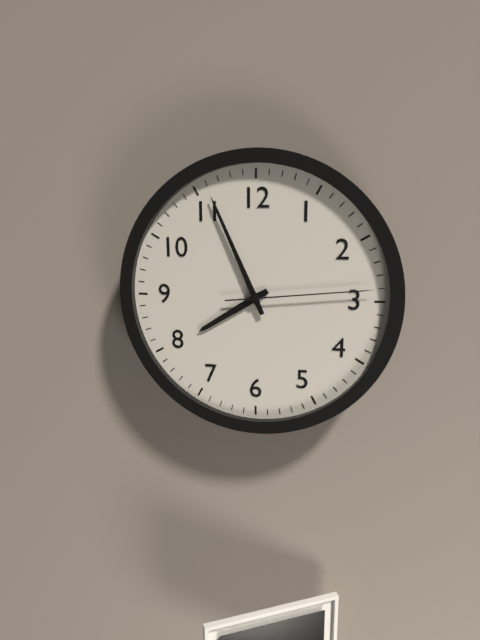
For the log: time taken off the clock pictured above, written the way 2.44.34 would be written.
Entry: 7.56.14
